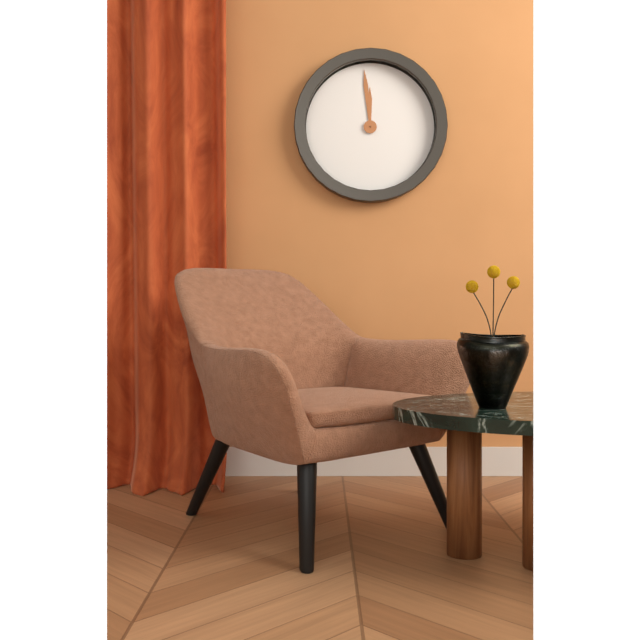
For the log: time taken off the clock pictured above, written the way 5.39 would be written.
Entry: 11.59
